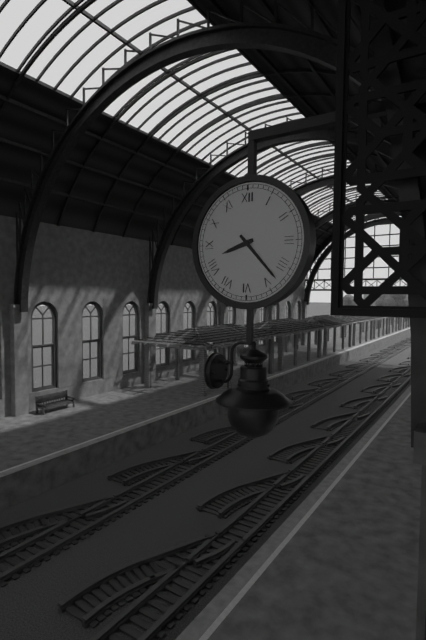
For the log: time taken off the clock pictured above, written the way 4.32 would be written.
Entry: 8.23
